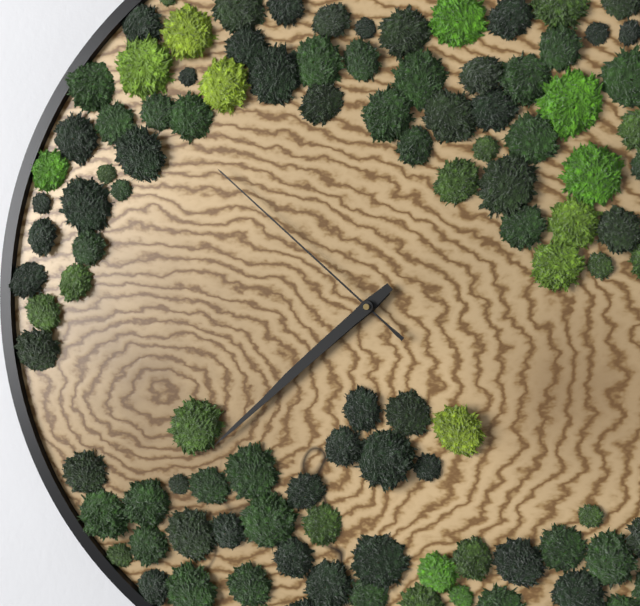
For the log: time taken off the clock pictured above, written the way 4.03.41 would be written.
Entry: 7.38.52
